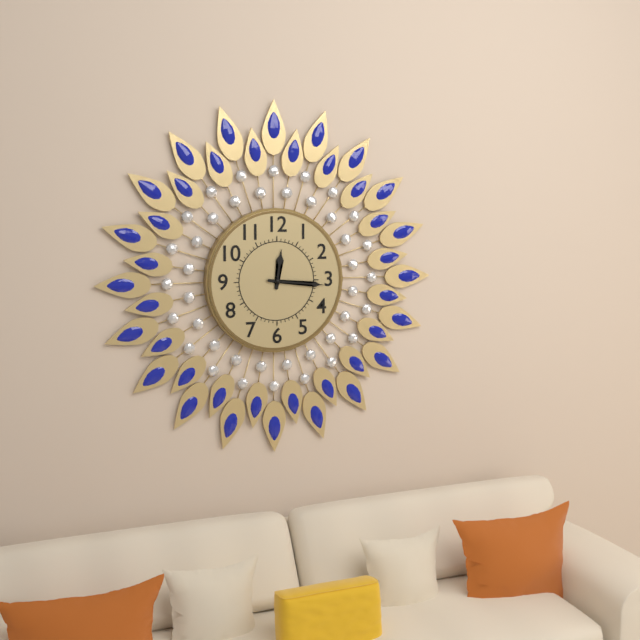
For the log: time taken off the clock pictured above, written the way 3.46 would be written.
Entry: 12.16
